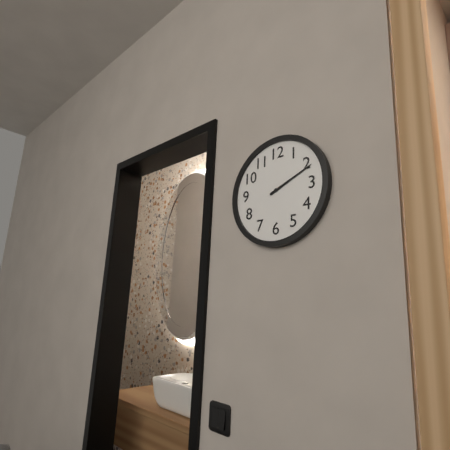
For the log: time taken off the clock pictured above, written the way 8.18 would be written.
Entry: 2.11
